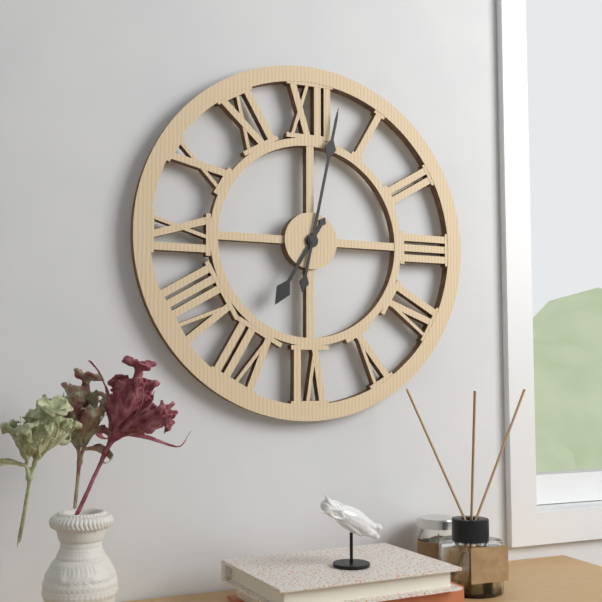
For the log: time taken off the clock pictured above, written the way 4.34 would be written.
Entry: 7.02
